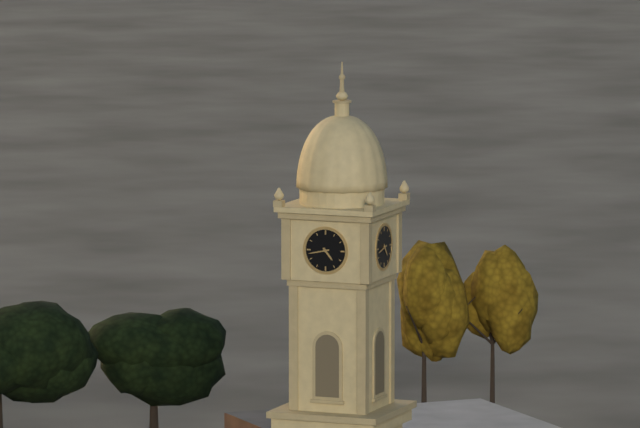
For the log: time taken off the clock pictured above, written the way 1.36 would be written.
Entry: 4.43
